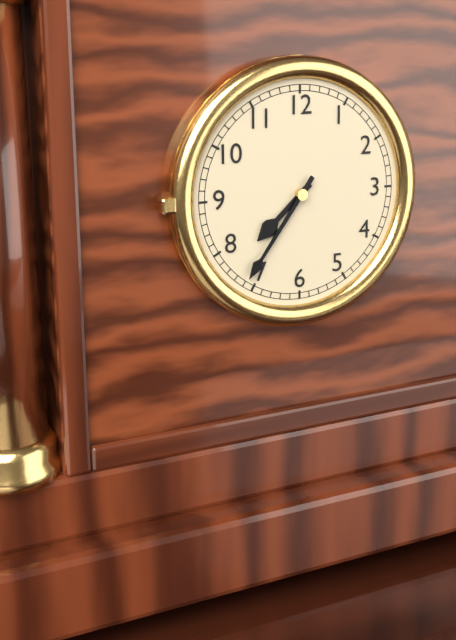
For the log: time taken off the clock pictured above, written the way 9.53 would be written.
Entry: 7.36
